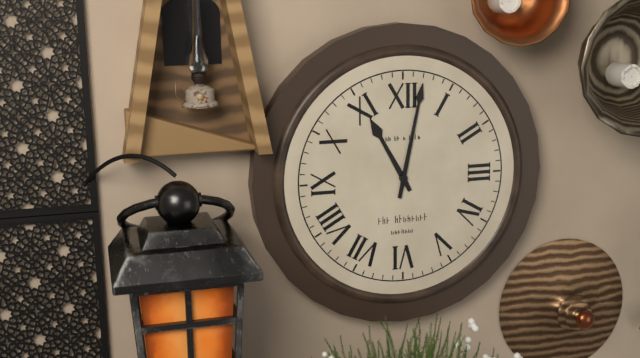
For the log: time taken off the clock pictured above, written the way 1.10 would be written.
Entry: 11.02
